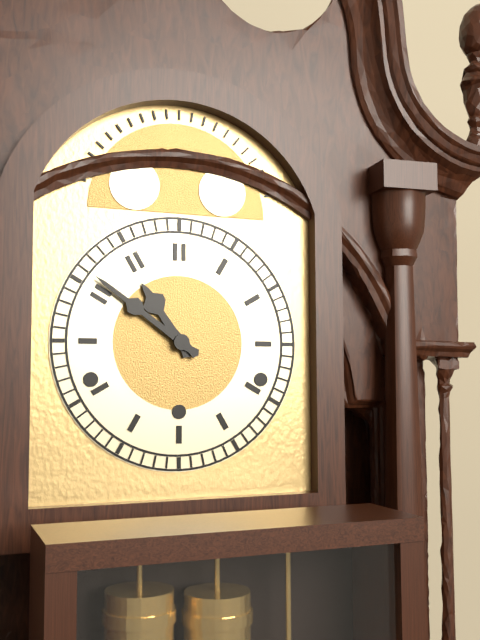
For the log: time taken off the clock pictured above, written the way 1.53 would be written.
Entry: 10.51
